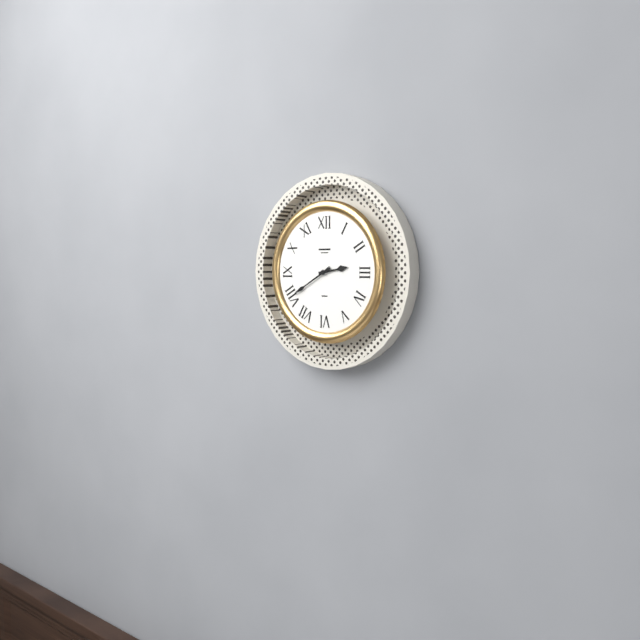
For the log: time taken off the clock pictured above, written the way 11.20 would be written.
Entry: 2.40
